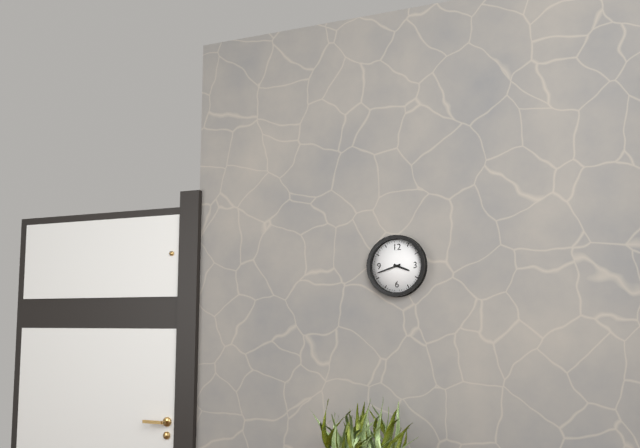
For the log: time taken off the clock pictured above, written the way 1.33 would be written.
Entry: 3.42
